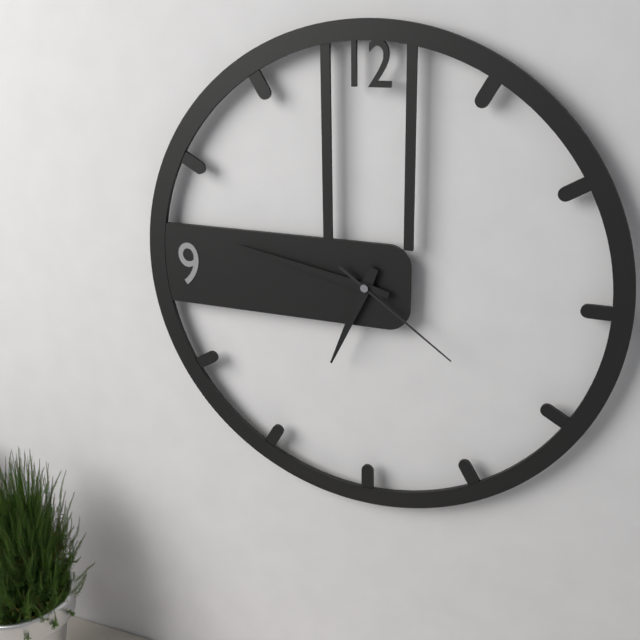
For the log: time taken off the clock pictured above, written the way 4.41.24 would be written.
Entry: 6.47.21
